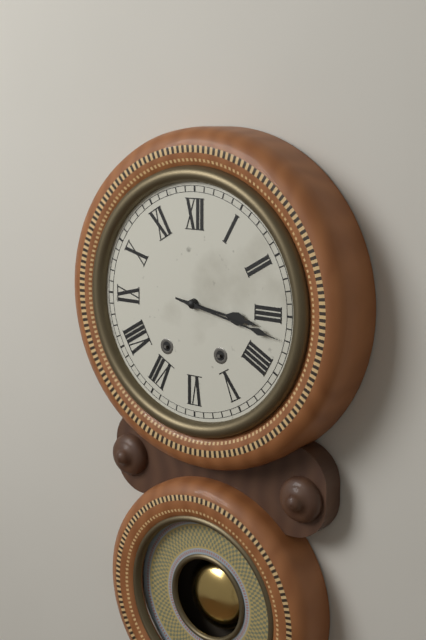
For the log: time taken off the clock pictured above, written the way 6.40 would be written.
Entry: 3.17
